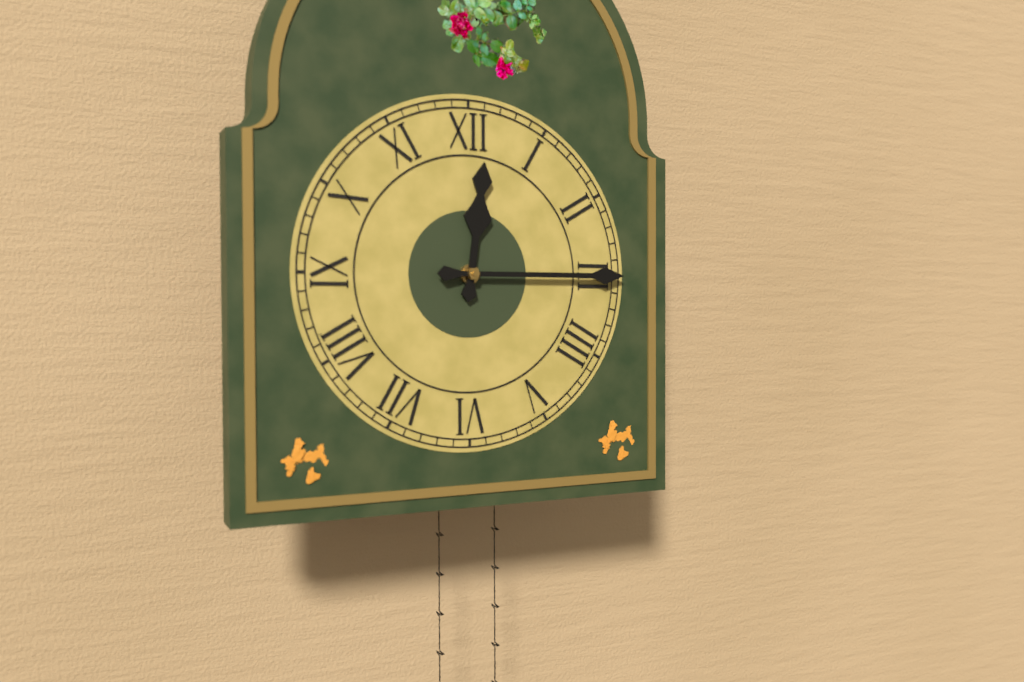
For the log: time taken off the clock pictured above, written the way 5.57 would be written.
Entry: 12.15
